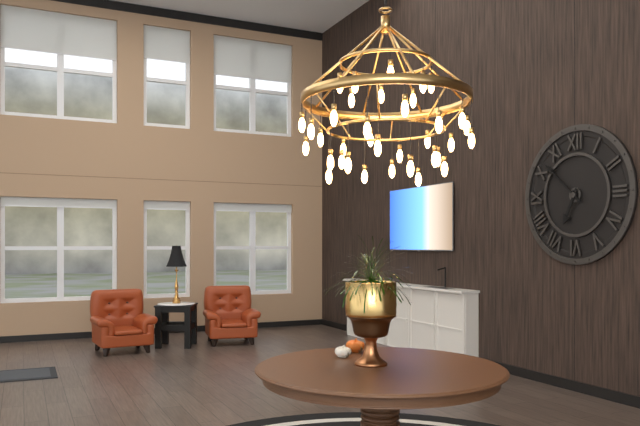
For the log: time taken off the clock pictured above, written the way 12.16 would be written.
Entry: 6.52
